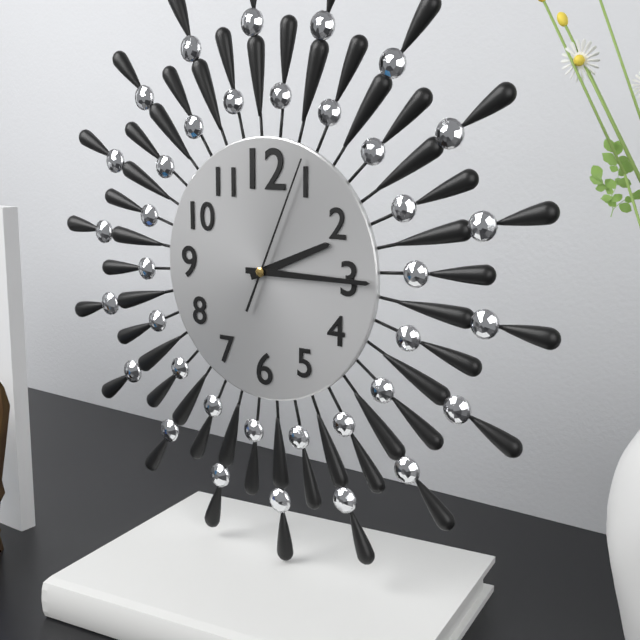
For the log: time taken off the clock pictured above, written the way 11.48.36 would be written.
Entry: 2.15.04
